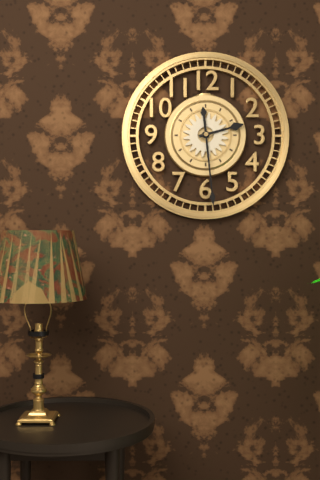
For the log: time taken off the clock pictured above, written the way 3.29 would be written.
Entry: 2.29
